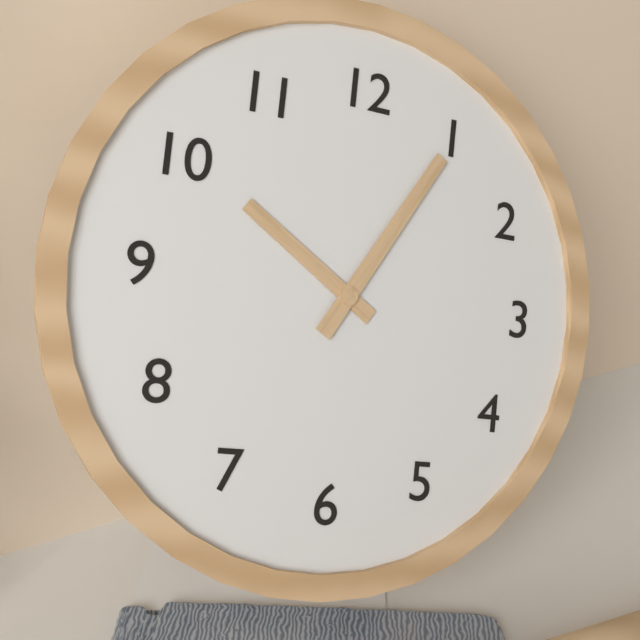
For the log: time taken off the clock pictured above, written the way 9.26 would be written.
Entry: 10.05
